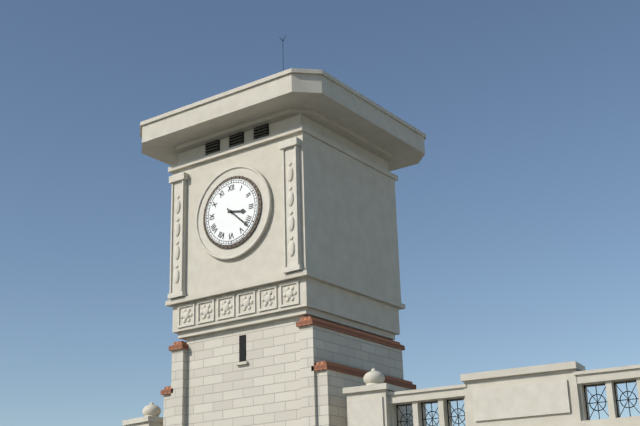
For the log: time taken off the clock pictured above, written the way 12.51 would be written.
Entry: 3.22
